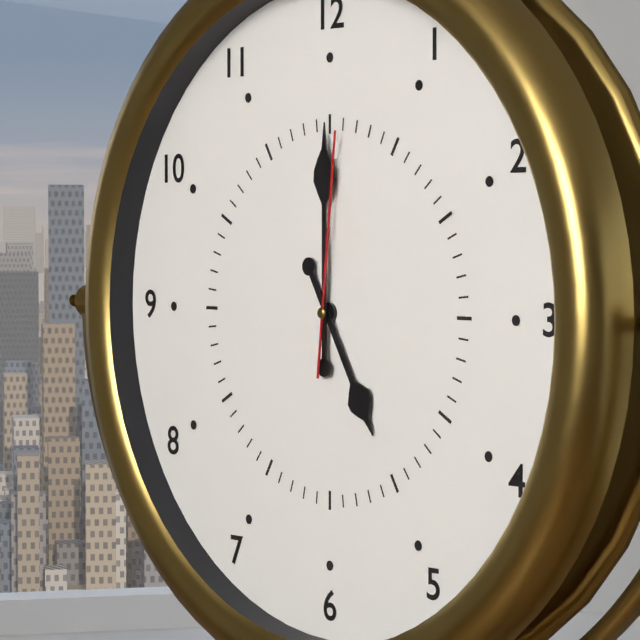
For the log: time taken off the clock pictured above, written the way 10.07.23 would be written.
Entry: 5.00.01
